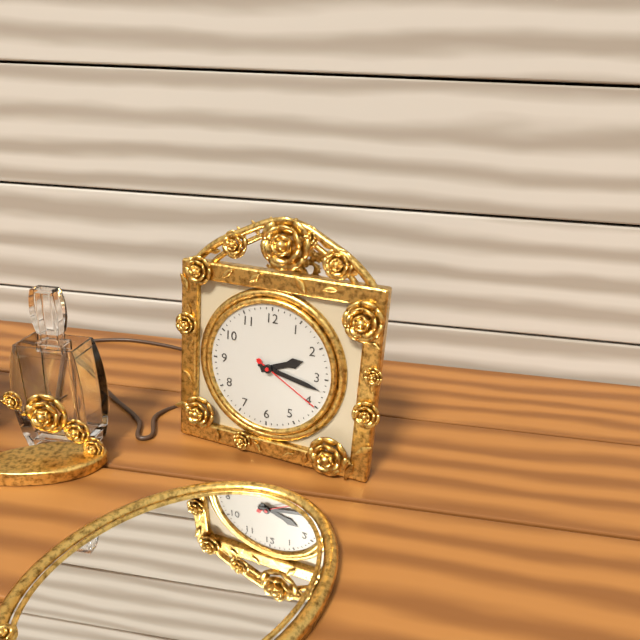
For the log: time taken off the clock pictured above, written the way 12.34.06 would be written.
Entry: 2.17.20
